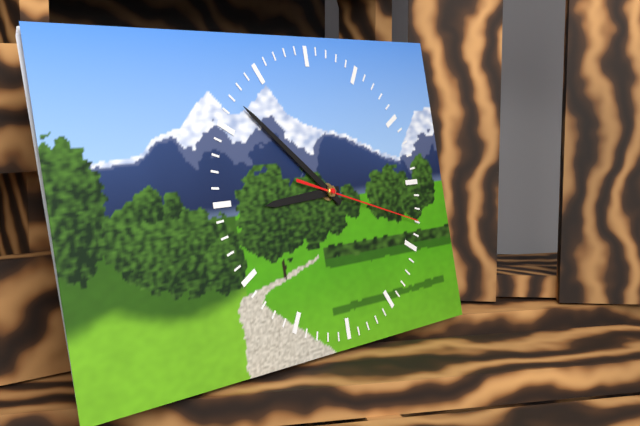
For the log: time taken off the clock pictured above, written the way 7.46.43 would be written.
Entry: 8.52.18
